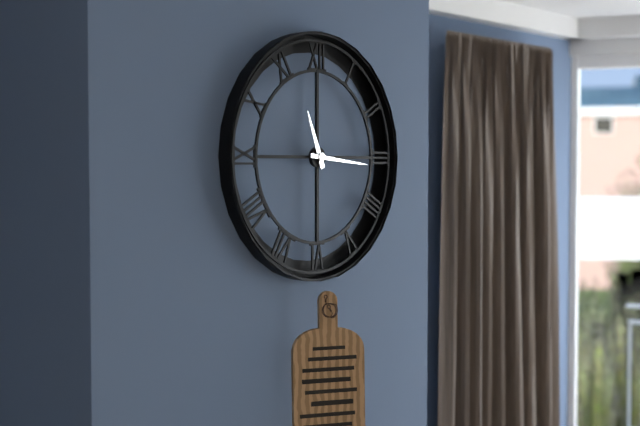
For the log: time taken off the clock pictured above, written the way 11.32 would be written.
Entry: 11.16
